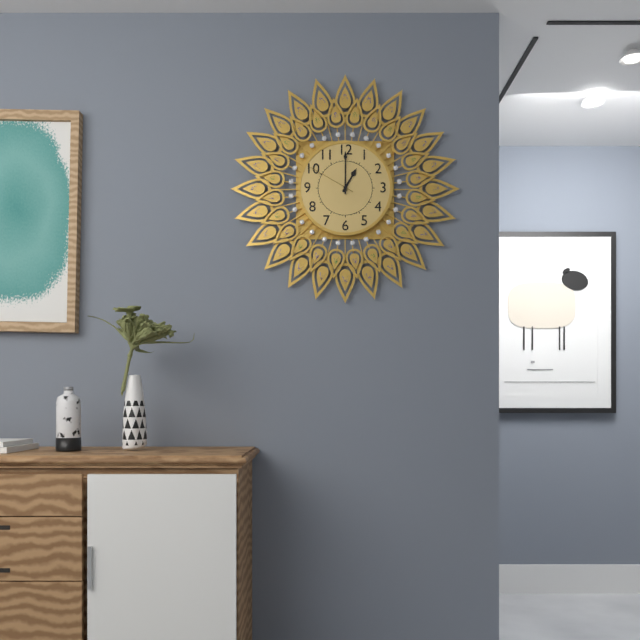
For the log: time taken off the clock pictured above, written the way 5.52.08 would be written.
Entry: 1.00.50
